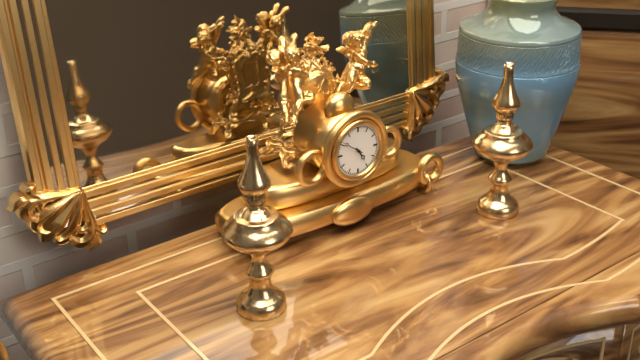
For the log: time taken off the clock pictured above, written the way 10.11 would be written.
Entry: 4.51
